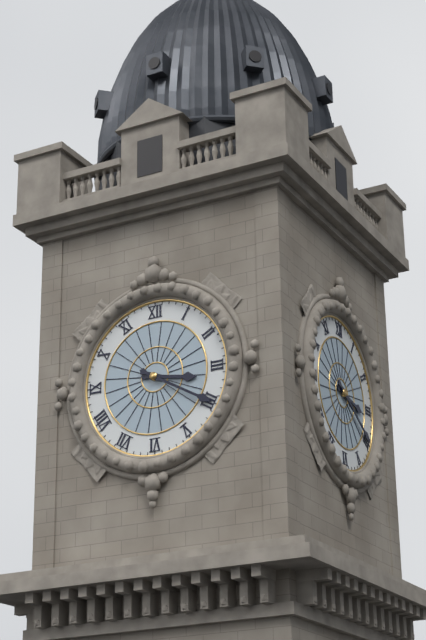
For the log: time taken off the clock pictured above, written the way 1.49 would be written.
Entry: 3.20
